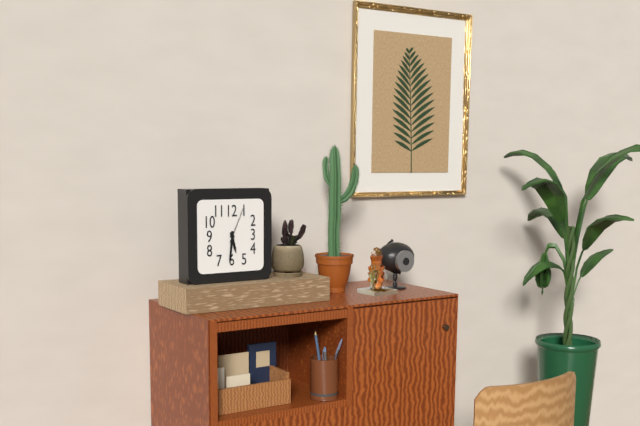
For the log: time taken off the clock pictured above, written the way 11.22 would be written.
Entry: 5.31
